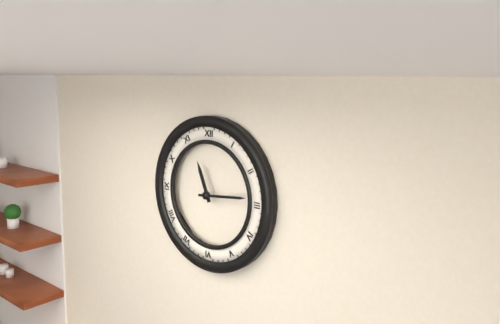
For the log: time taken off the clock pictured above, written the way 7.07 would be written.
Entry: 11.14
